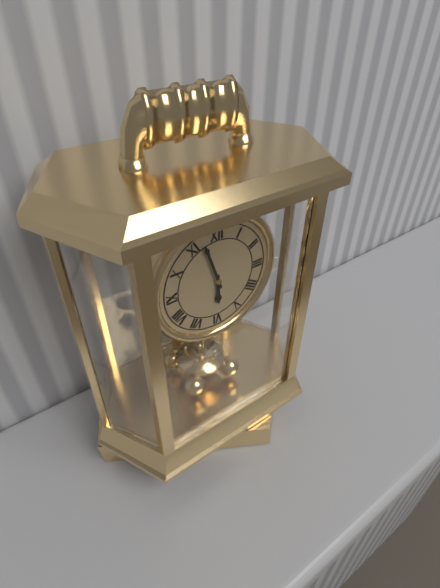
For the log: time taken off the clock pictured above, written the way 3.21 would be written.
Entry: 5.57
